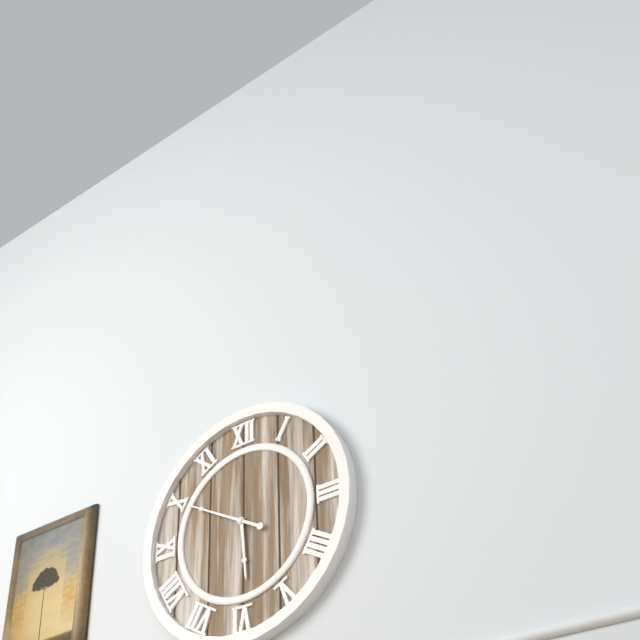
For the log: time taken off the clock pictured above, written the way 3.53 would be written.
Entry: 5.50
